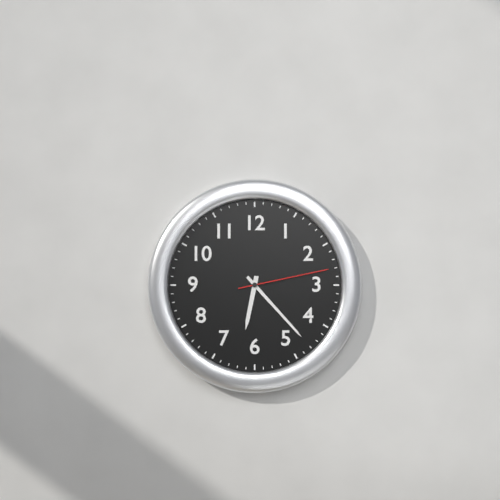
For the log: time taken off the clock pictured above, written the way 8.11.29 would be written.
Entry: 6.23.13
